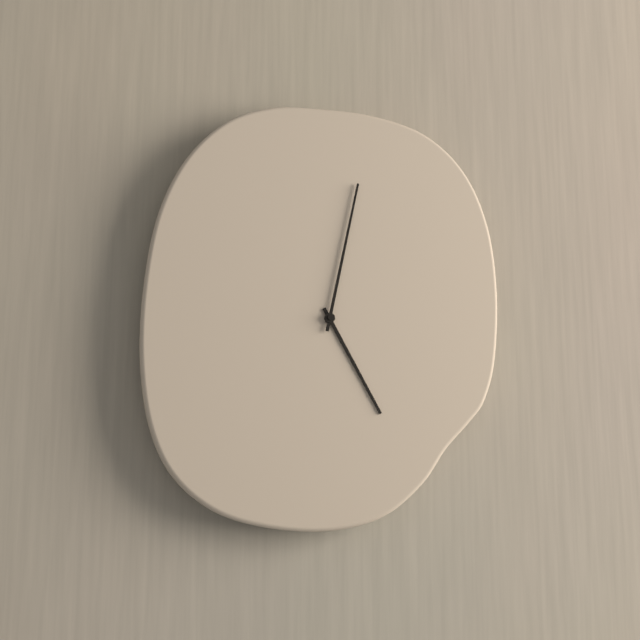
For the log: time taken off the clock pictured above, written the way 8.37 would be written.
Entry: 5.02
